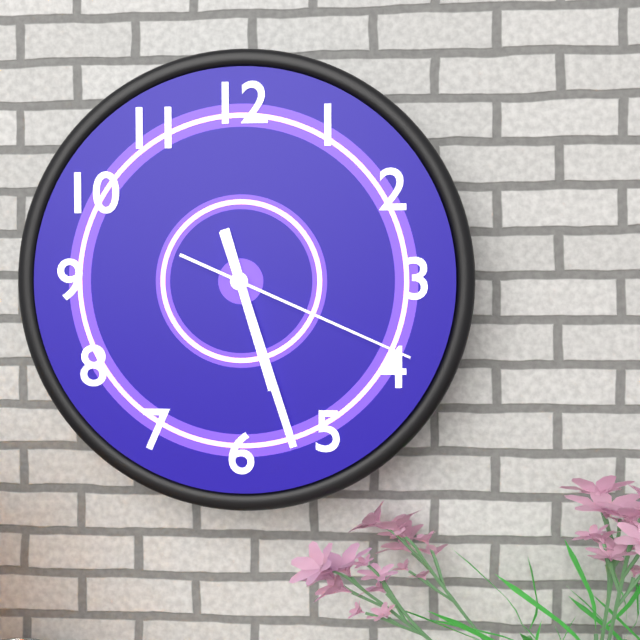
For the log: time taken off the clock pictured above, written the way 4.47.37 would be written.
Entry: 5.27.19
